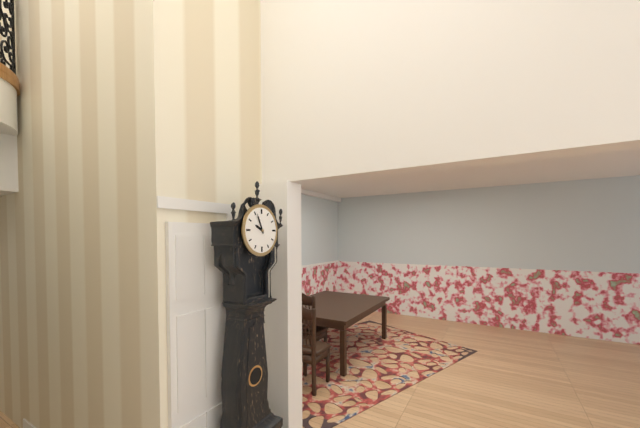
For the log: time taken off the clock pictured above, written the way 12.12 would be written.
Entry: 9.56
